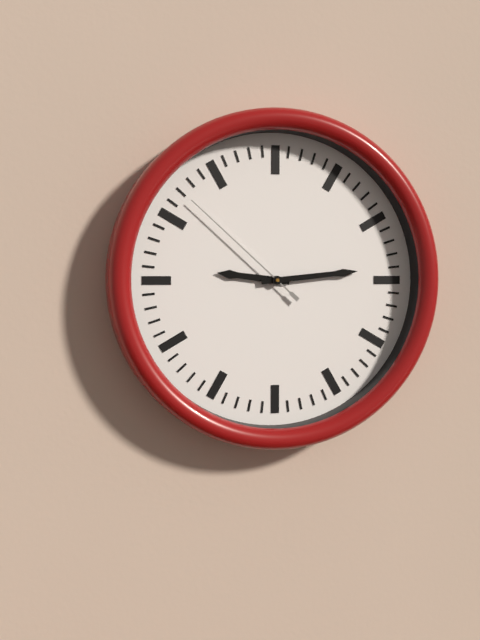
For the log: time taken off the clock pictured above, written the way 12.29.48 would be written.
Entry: 9.14.52
